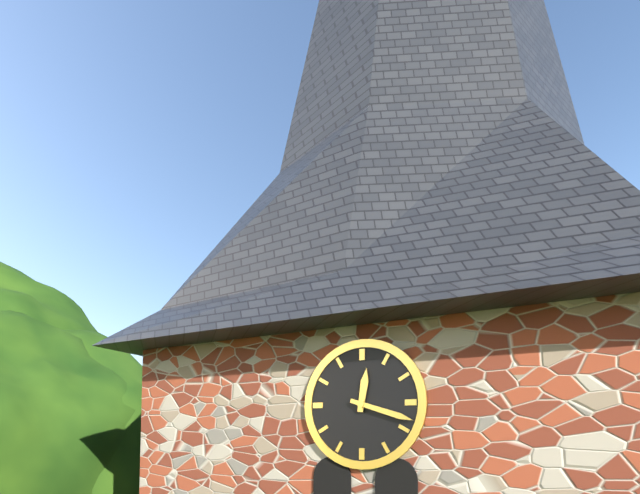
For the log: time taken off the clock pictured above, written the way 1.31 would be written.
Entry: 12.18
